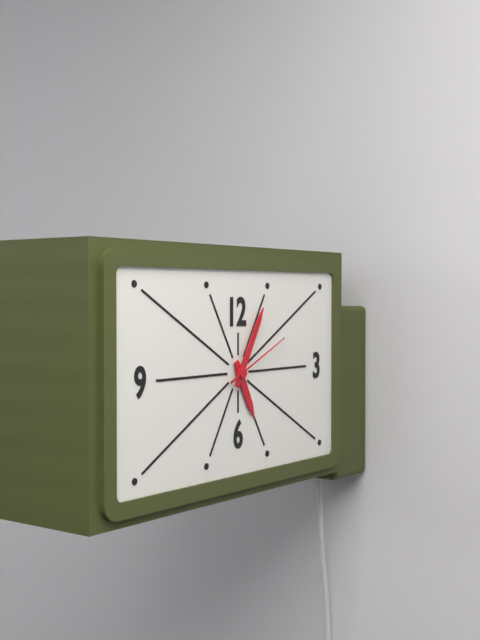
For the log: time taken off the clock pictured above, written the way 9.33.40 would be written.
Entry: 5.05.11
